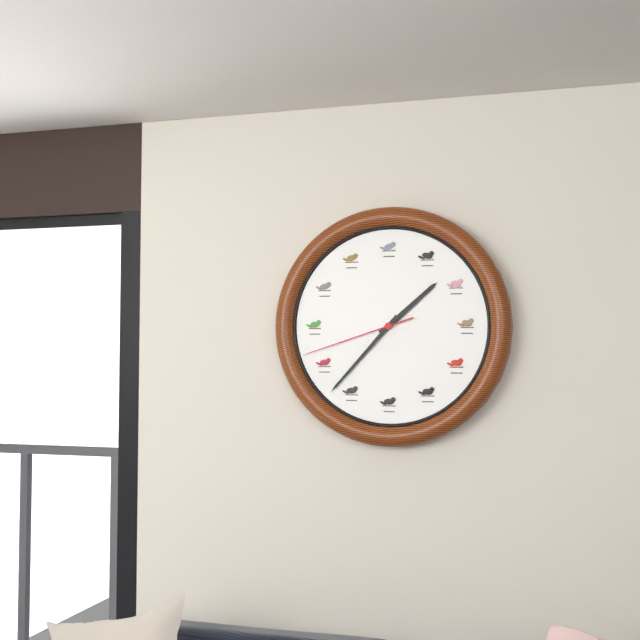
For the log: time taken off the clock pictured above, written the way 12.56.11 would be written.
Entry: 1.37.42
